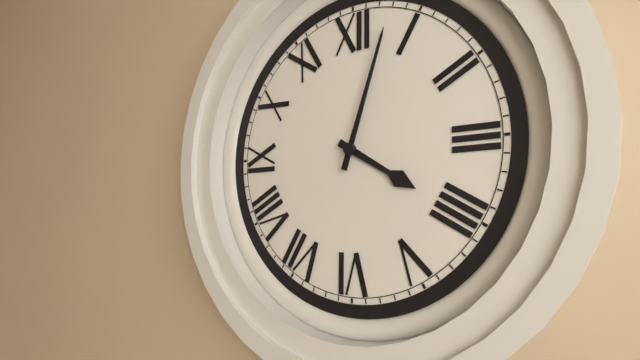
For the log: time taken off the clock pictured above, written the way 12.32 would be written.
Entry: 4.03
